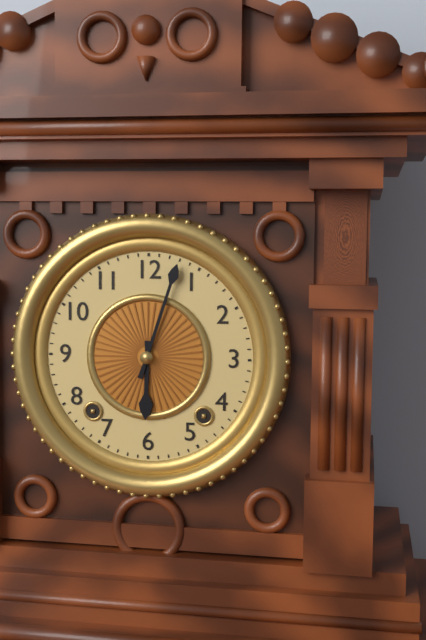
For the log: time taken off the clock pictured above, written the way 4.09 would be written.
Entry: 6.03
